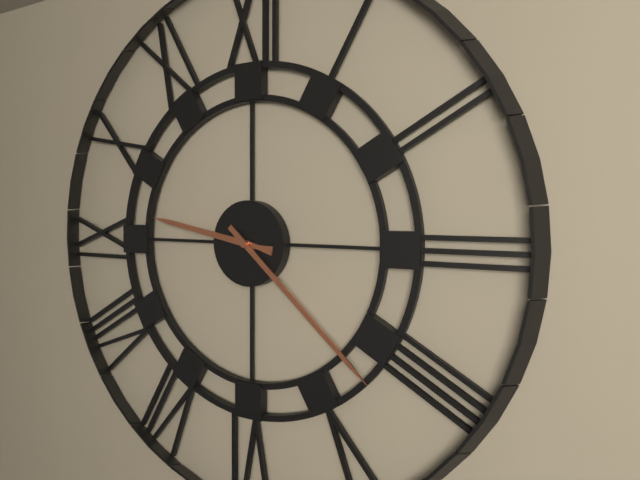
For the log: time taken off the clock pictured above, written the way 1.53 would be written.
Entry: 9.22
